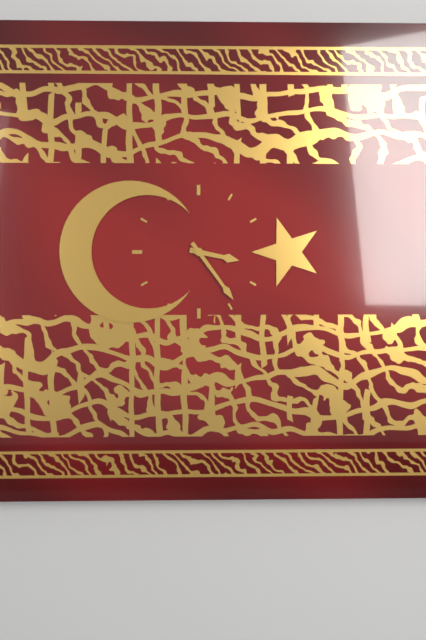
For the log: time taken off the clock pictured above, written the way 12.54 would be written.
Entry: 3.24
